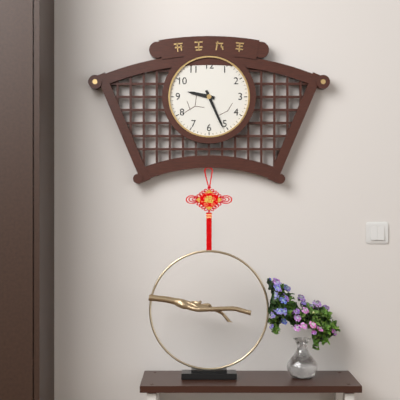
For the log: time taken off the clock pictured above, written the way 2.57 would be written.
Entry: 9.26
